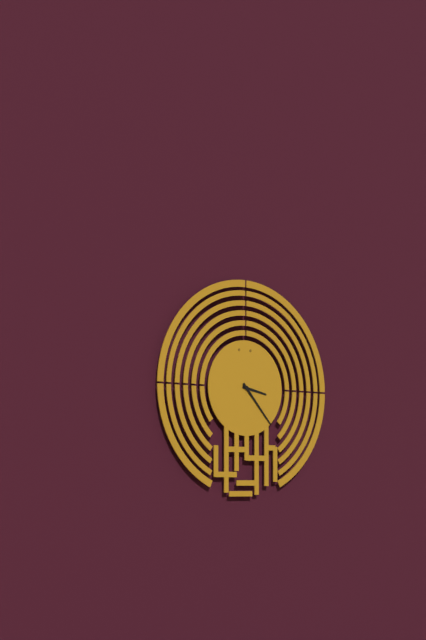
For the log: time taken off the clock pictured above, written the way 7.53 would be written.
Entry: 3.23
